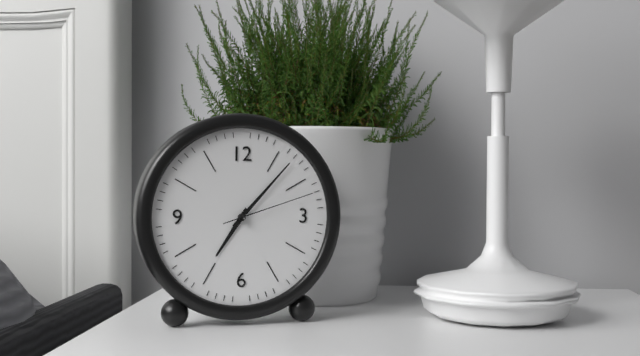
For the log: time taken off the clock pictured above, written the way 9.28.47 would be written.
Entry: 7.07.12
